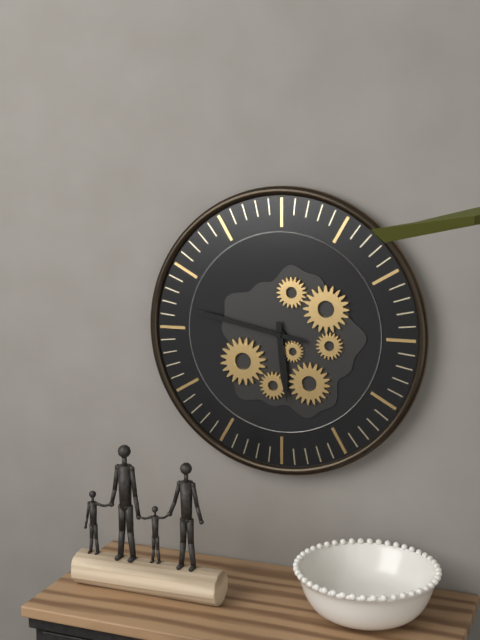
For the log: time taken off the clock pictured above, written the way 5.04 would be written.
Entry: 5.47
